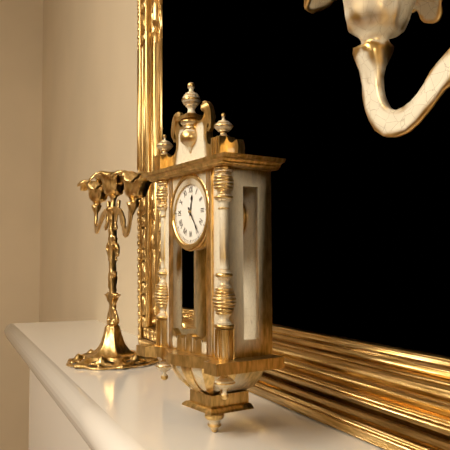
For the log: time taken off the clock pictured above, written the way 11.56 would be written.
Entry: 12.24
